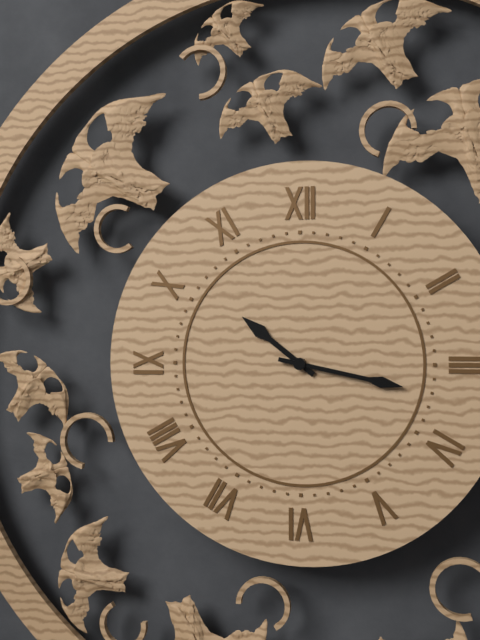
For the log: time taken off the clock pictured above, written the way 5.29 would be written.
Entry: 10.17
